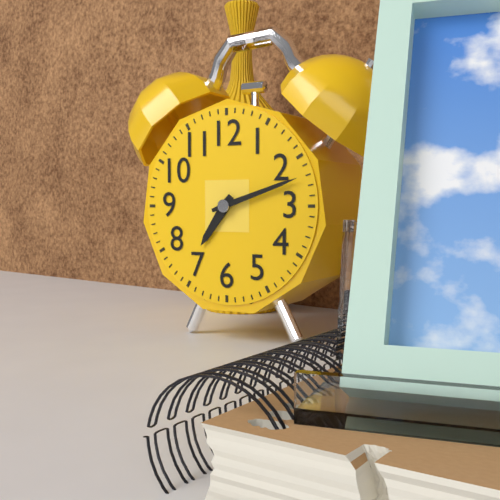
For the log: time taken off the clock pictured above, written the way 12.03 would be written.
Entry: 7.12
